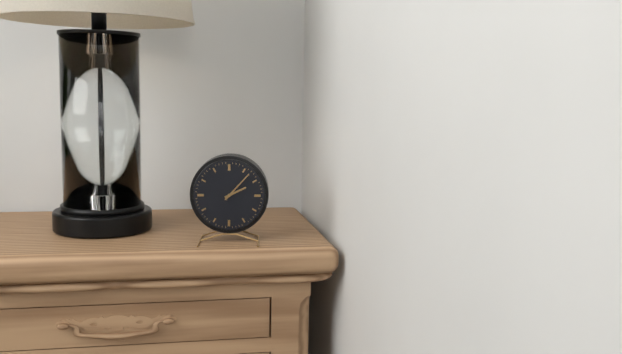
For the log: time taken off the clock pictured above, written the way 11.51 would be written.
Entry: 2.07
